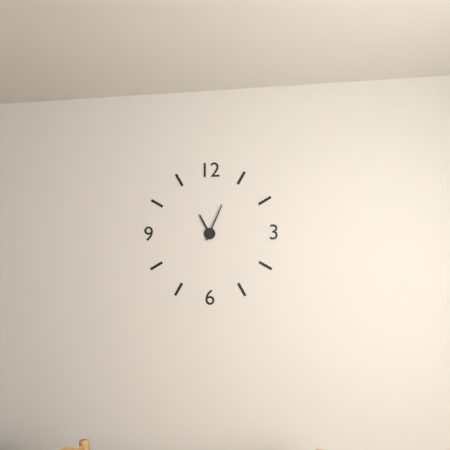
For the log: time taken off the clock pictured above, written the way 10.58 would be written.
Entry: 11.04
